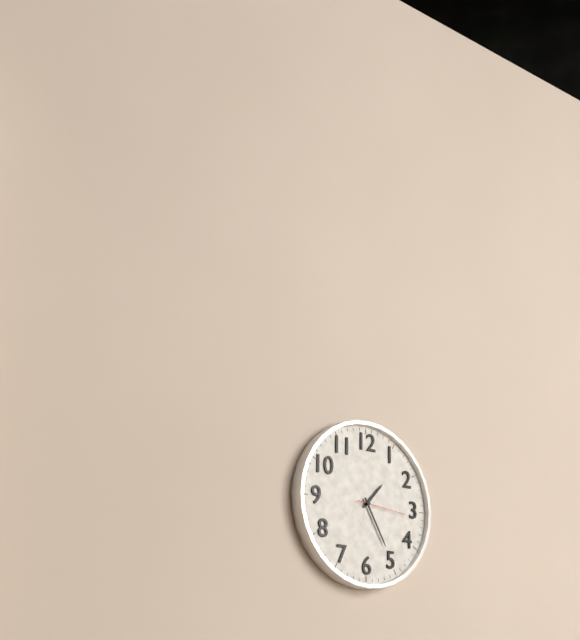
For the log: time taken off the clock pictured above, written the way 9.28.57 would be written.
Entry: 1.25.16
